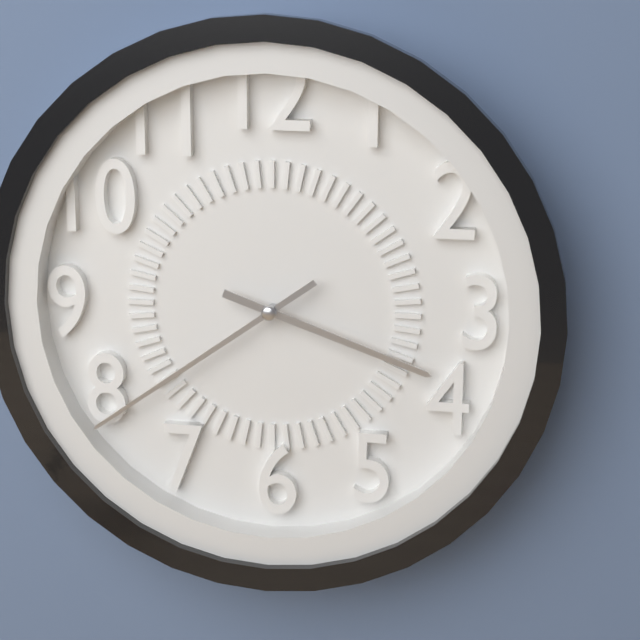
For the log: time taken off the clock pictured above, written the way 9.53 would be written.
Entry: 3.39
